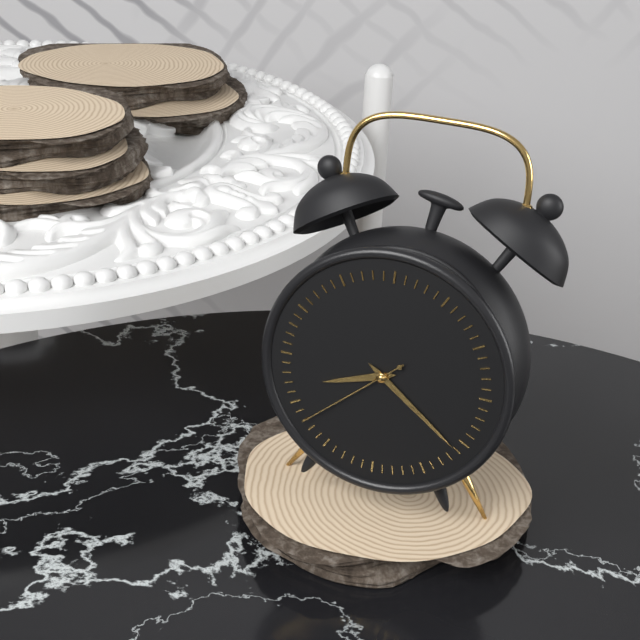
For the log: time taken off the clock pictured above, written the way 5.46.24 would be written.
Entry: 8.21.38
